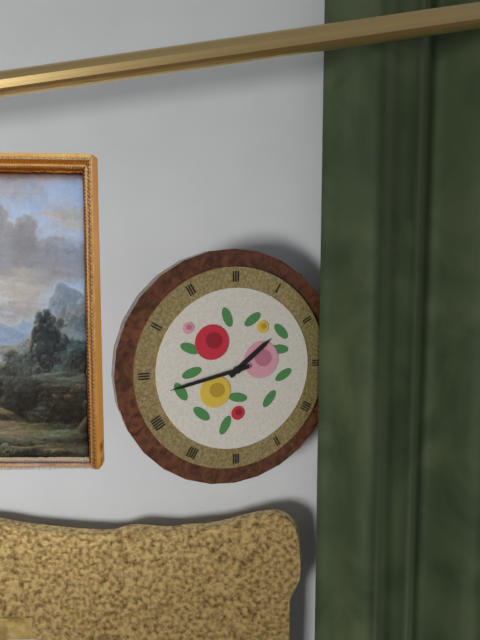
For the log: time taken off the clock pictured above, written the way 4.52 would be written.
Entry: 1.43
